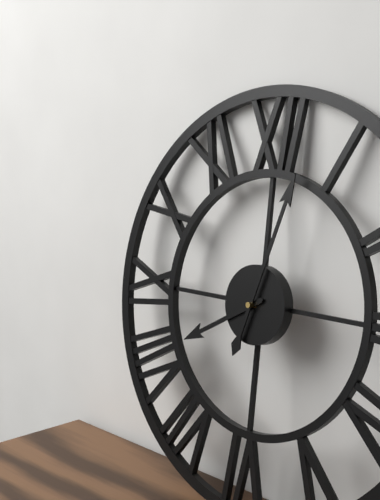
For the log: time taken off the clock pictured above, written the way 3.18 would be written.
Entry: 8.03
